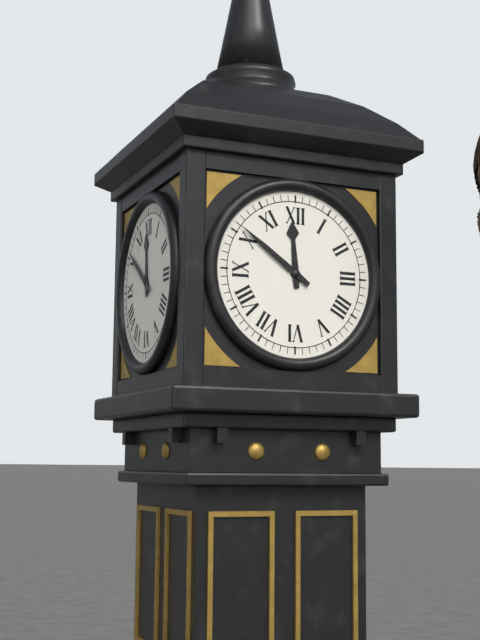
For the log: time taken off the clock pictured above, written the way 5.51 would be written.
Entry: 11.51
